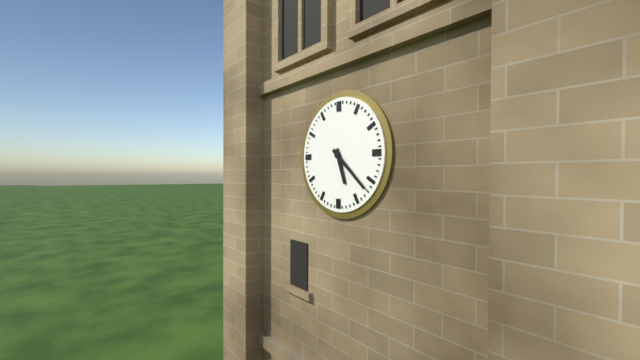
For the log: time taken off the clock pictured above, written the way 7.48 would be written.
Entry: 5.22
